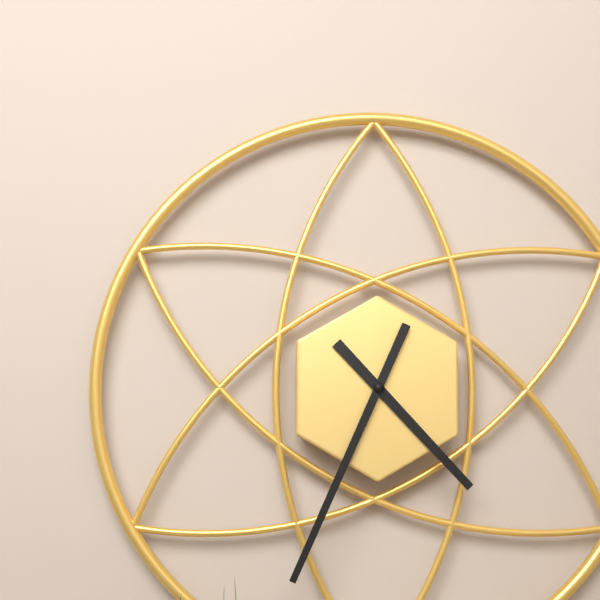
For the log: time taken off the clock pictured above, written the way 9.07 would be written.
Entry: 4.34
